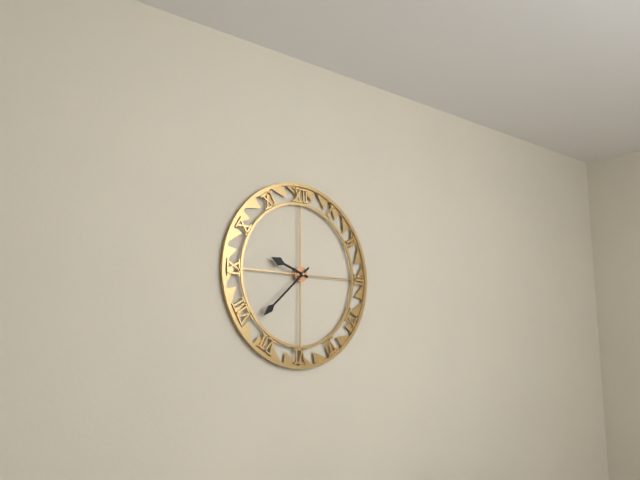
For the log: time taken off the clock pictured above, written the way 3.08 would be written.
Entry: 9.38
